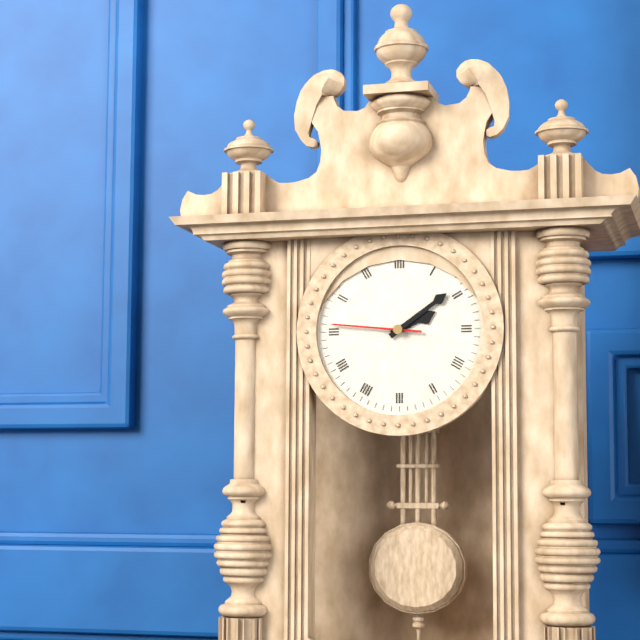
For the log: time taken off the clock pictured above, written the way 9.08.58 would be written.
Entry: 2.09.46
